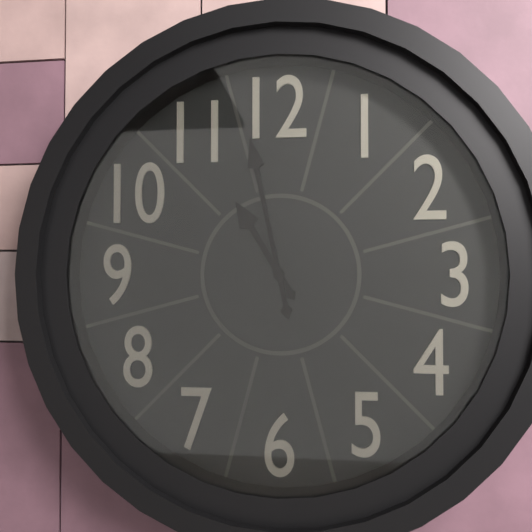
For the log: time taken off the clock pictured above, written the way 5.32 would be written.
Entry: 10.58
